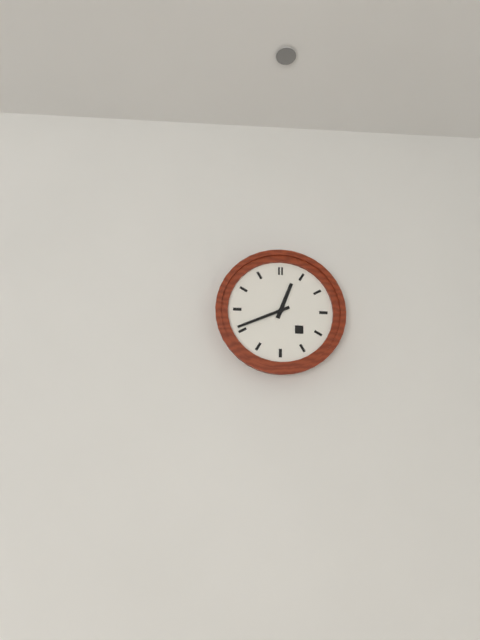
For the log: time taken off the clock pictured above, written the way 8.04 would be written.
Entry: 12.41
